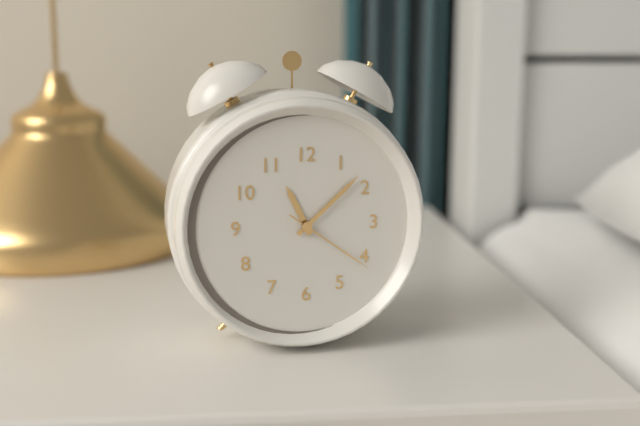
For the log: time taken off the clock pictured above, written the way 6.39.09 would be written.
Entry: 11.08.21
